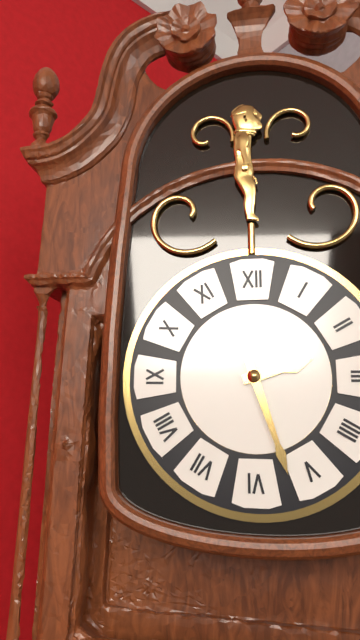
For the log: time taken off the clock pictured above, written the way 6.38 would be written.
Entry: 2.27
